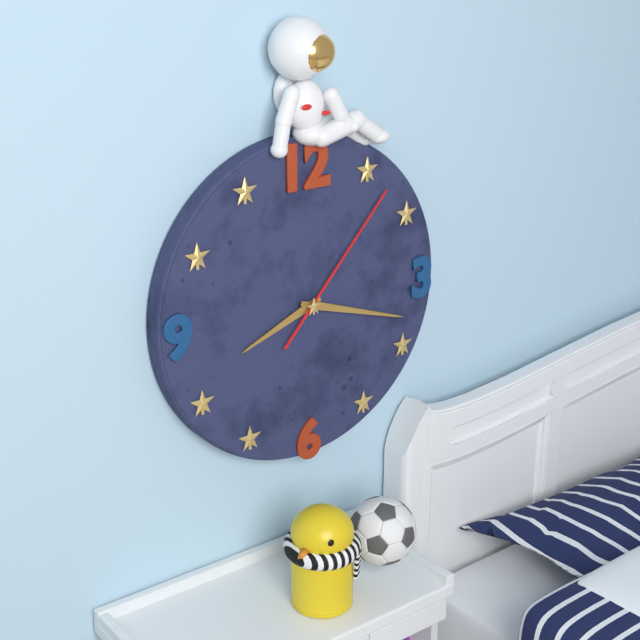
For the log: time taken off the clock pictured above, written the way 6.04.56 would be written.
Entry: 8.18.07
